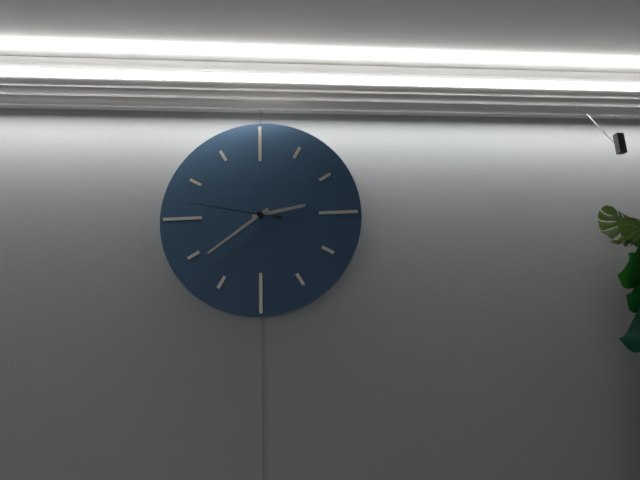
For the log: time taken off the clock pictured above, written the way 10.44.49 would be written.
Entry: 2.39.47
